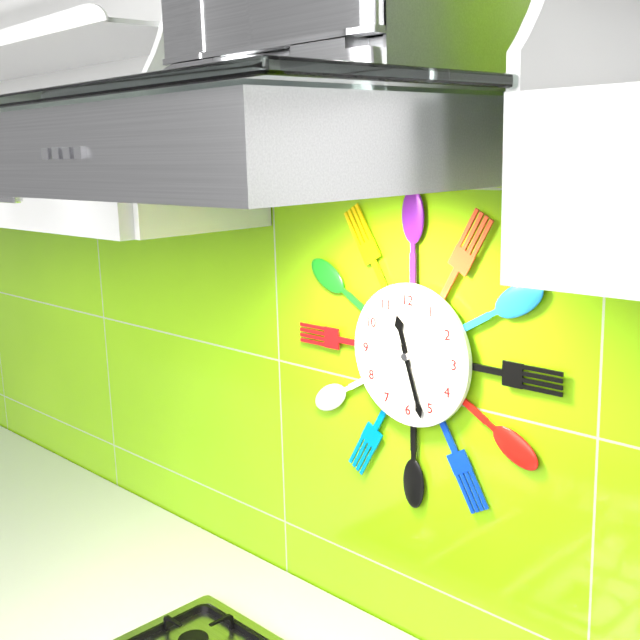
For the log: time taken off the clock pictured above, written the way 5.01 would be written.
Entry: 11.27
